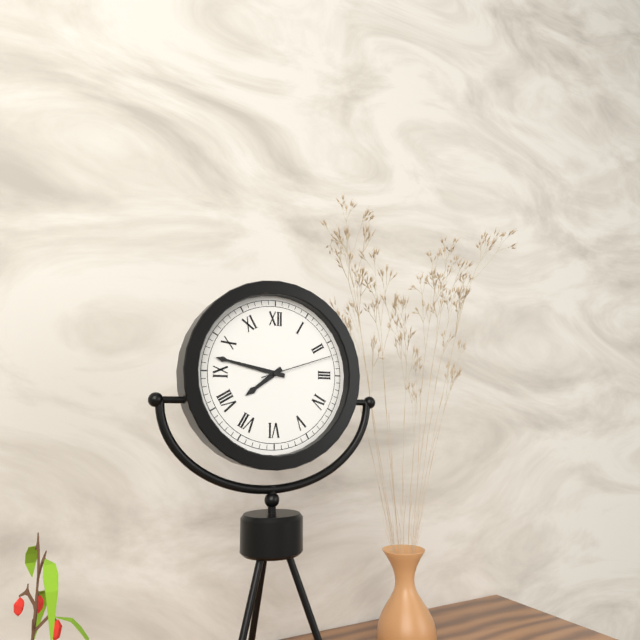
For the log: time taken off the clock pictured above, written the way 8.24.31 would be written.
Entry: 7.47.12
